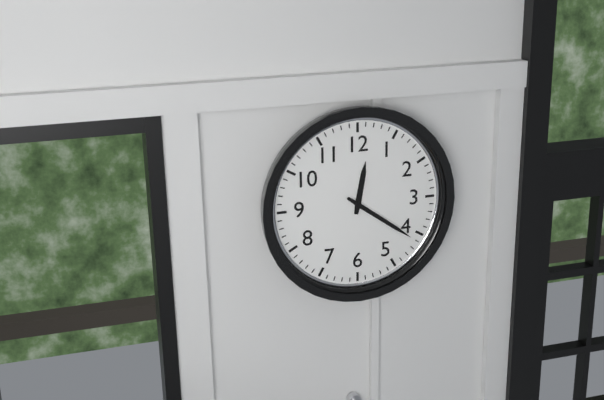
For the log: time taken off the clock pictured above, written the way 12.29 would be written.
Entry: 12.21
